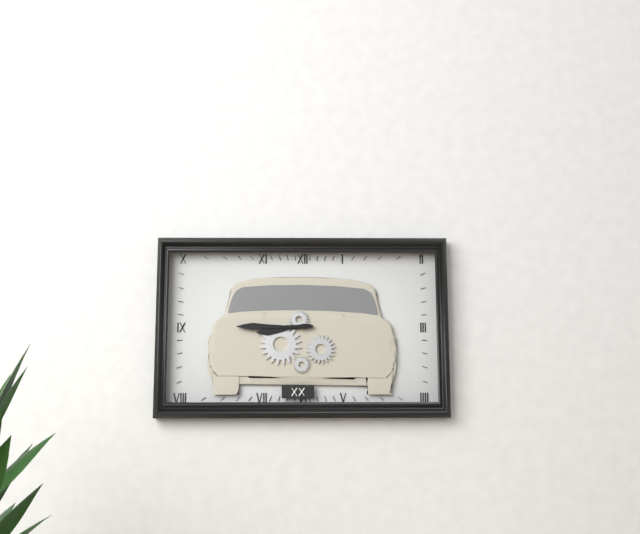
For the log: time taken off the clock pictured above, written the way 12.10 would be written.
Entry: 8.45
